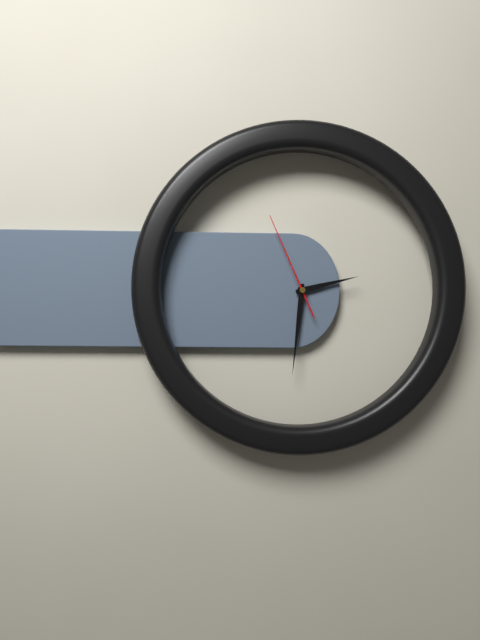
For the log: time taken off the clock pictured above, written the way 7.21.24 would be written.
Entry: 2.31.56
